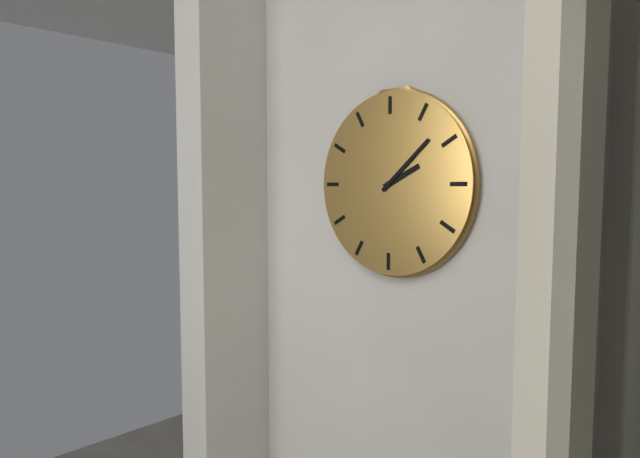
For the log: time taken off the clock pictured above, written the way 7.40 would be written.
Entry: 2.08
